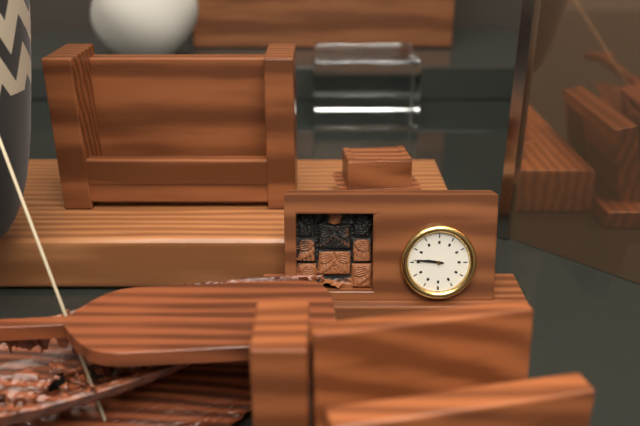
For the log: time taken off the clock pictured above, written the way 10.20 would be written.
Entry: 3.16
